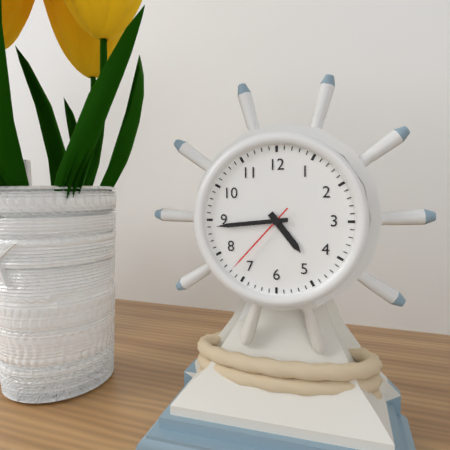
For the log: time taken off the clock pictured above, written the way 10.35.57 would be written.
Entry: 4.44.37
